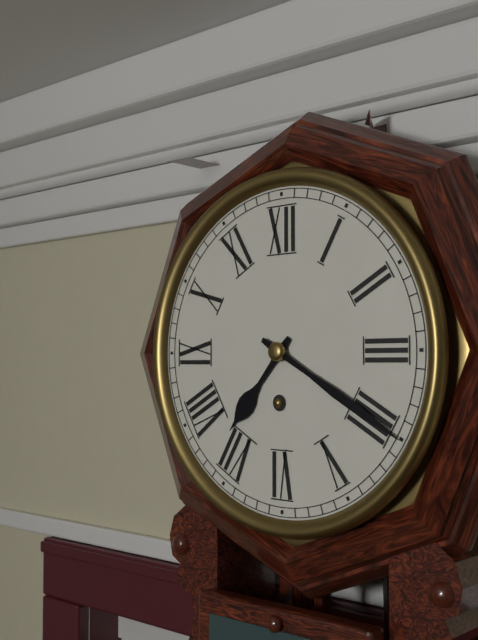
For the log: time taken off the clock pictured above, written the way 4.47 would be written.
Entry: 7.20
